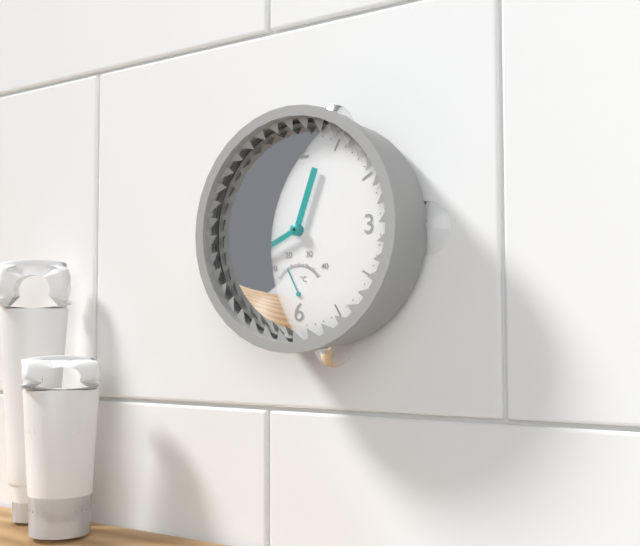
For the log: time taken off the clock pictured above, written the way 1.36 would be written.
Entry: 12.41
